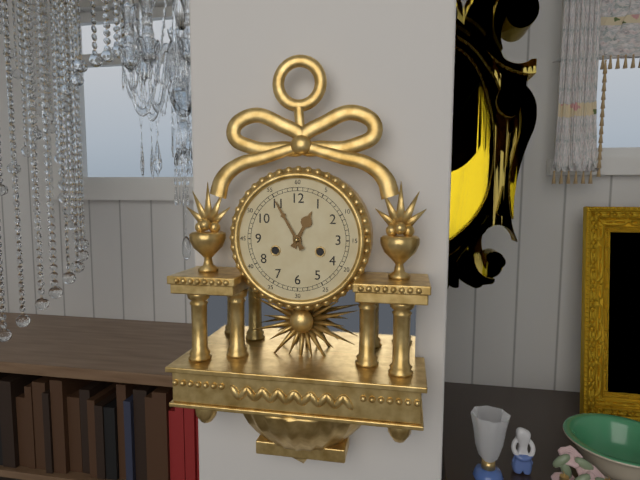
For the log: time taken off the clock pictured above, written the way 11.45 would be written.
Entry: 12.55
